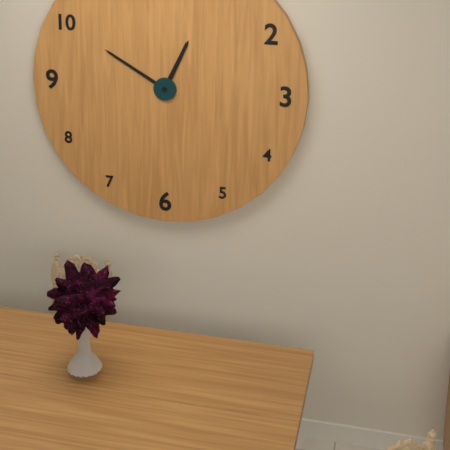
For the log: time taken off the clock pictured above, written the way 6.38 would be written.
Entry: 12.50
